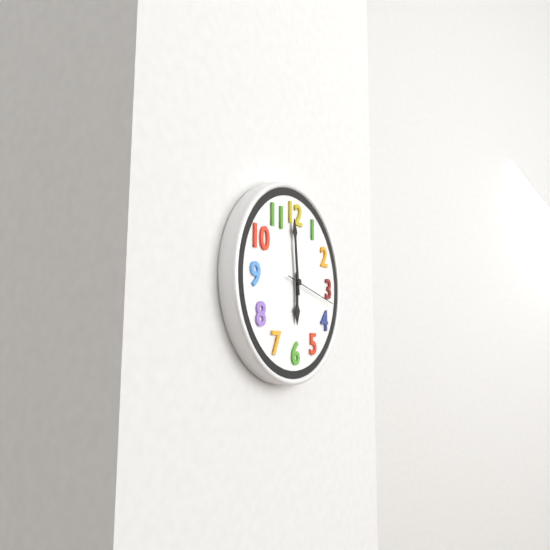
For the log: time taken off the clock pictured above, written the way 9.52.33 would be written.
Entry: 5.59.17
